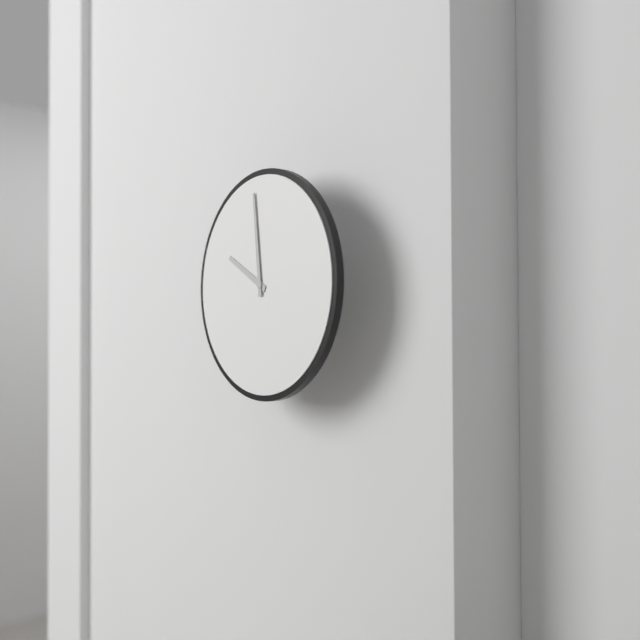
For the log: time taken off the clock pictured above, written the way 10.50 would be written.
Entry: 9.59
